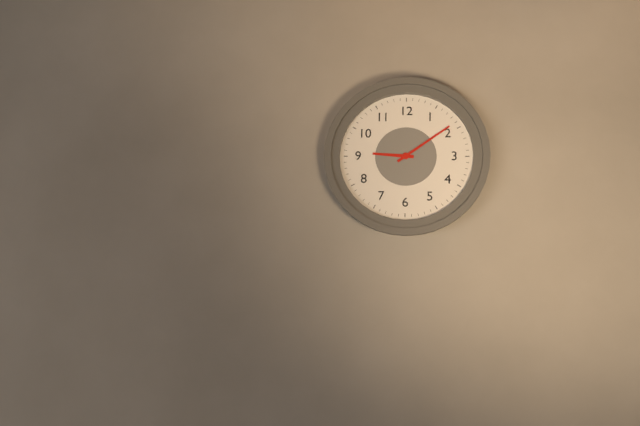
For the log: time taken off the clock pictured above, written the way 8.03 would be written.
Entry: 9.09
